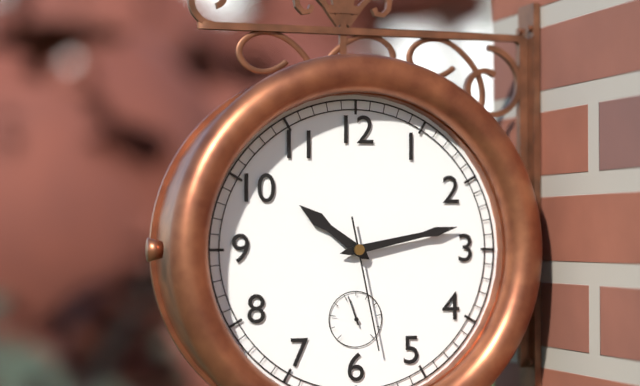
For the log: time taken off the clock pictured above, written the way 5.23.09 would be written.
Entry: 10.13.28
